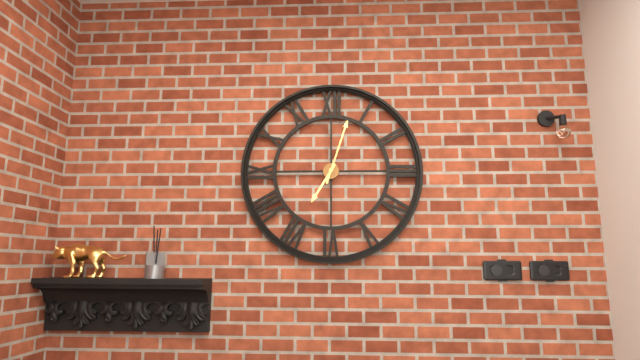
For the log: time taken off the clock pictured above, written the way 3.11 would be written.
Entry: 7.03
